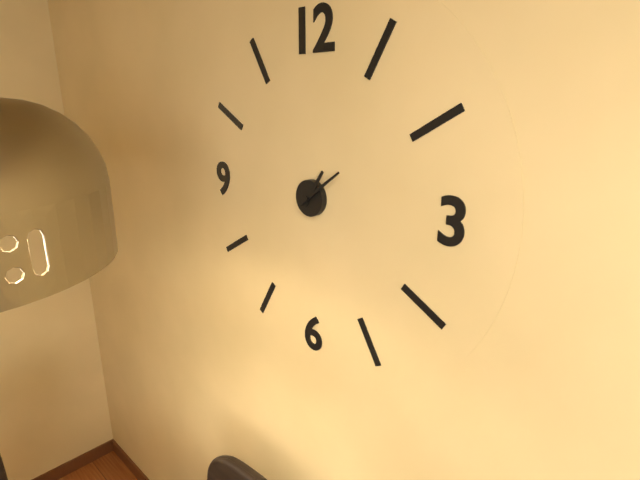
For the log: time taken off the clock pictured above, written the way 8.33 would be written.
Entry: 1.09
